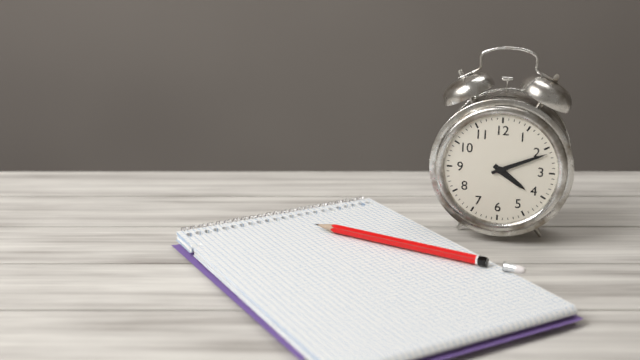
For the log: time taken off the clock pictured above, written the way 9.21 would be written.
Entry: 4.11
